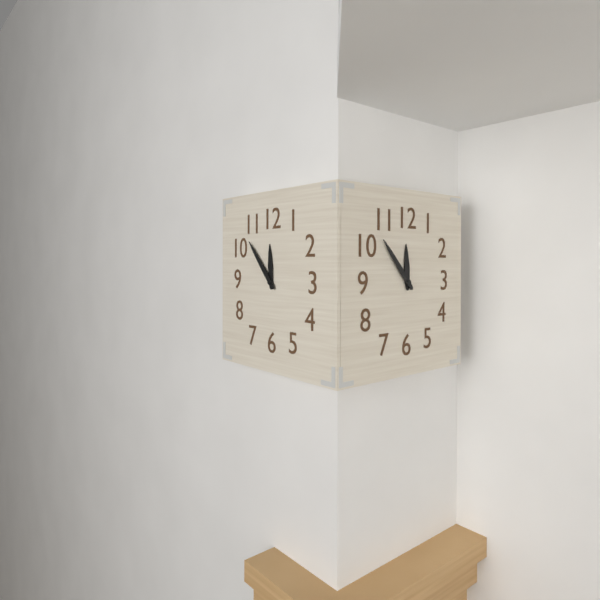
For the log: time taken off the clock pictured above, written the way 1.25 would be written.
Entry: 11.53
